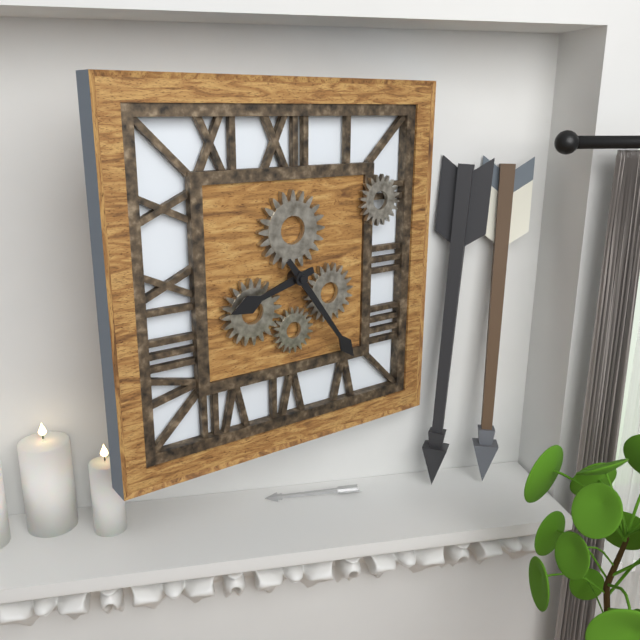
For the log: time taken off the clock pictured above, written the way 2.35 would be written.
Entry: 8.24
